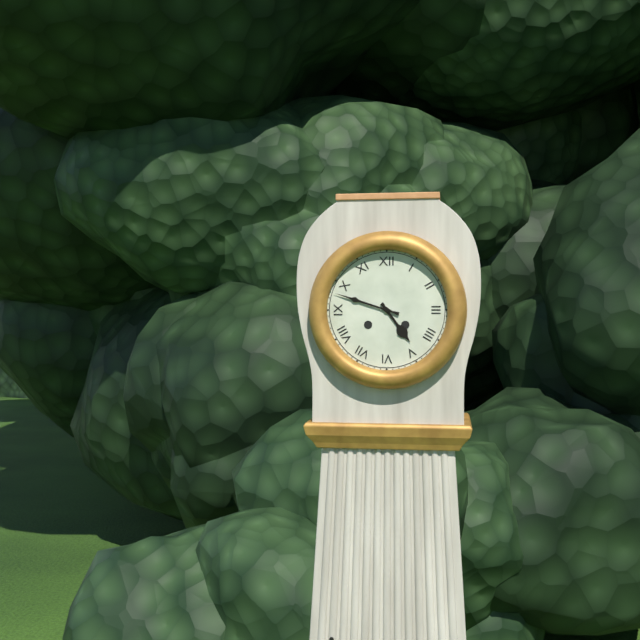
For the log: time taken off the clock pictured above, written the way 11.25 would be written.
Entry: 4.48
